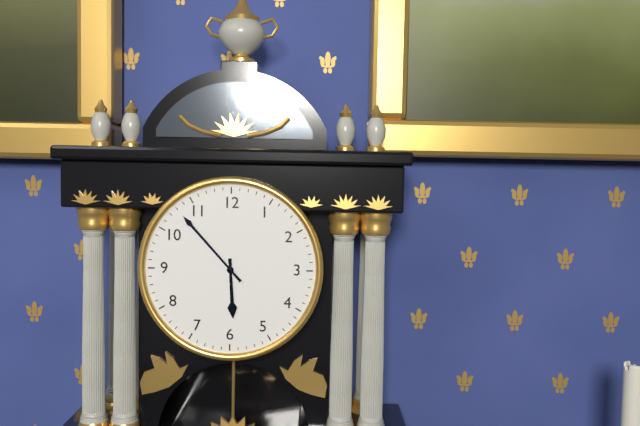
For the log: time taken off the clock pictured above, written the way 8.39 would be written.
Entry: 5.53
